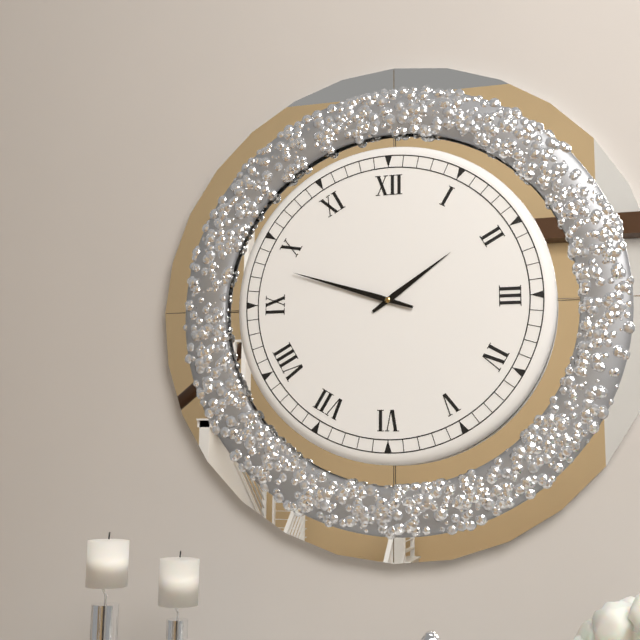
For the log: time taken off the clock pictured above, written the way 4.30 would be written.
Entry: 1.48
